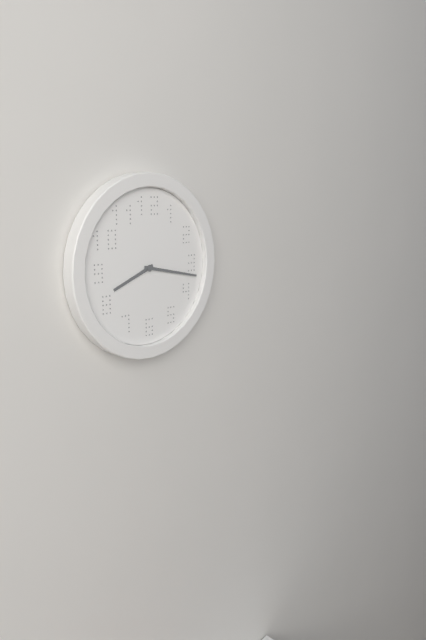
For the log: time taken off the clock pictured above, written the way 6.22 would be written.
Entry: 8.17
